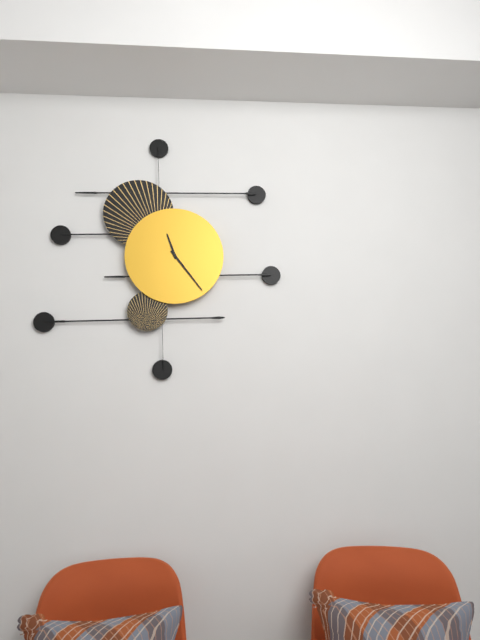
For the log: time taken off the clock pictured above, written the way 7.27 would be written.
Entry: 11.24
